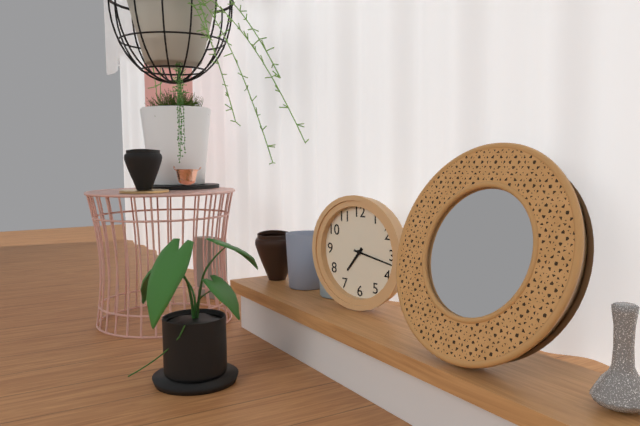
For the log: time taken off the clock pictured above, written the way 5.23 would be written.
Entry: 7.17
